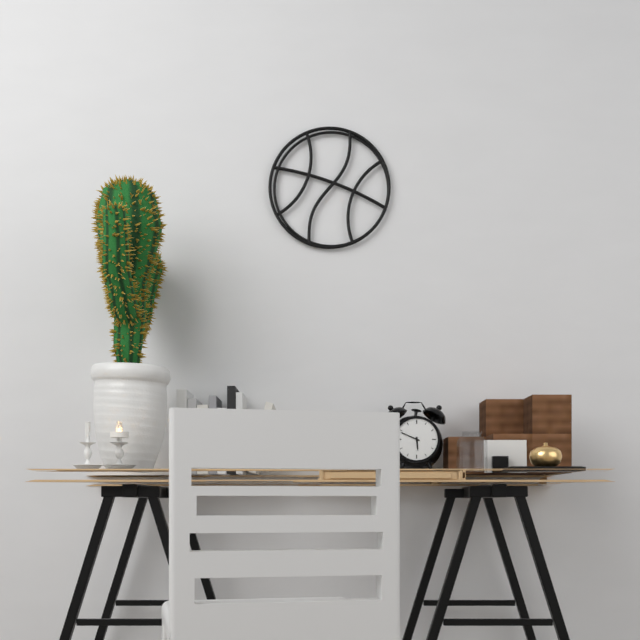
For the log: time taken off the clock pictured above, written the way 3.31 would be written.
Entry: 5.49
